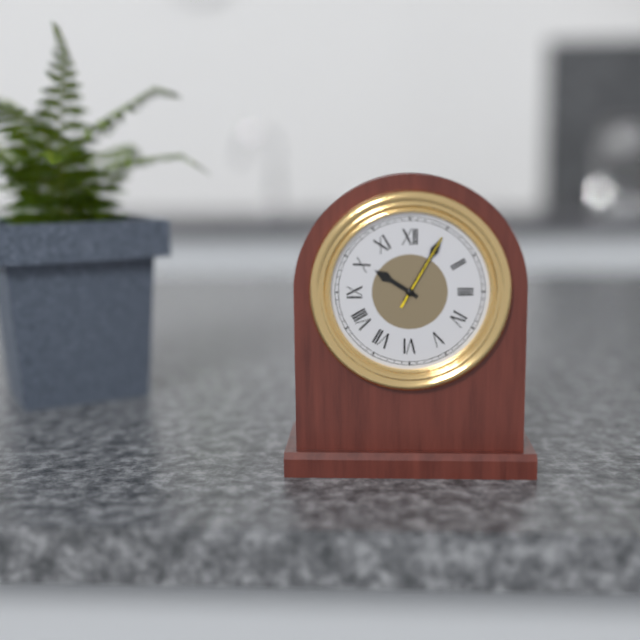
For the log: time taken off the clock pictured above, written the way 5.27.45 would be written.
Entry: 10.05.05
